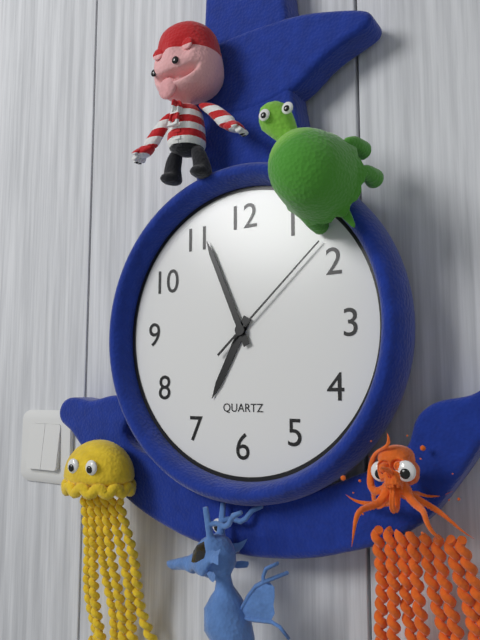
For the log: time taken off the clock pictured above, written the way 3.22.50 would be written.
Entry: 6.56.08
